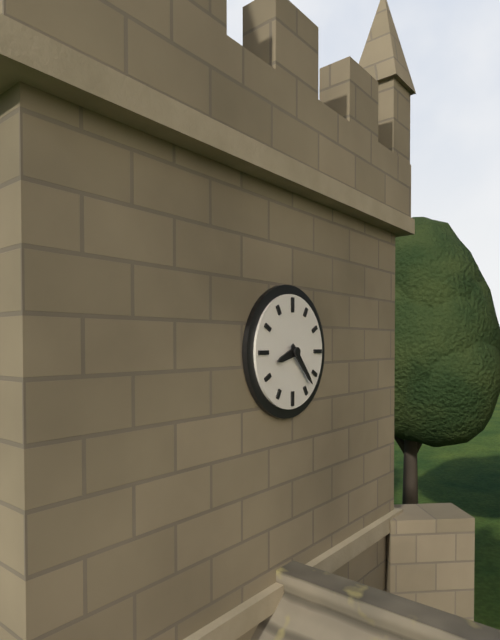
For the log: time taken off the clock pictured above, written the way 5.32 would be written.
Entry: 8.23
